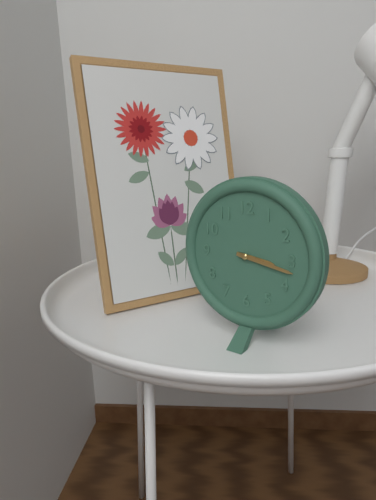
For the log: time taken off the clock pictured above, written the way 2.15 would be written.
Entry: 3.17
